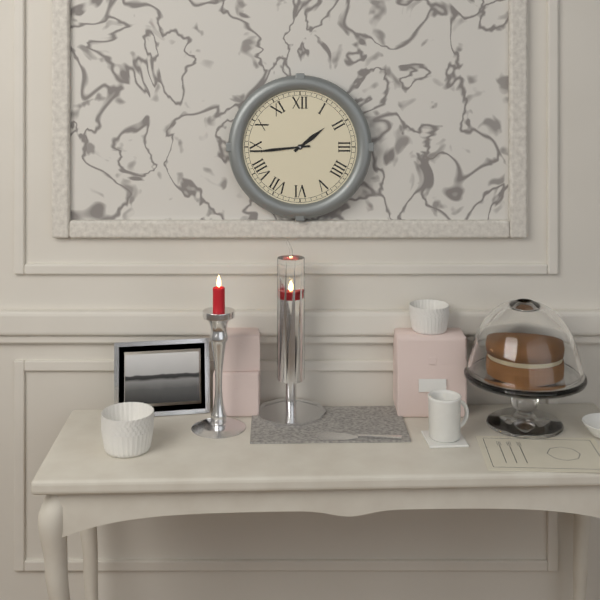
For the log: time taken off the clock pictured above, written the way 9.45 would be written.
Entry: 1.44
